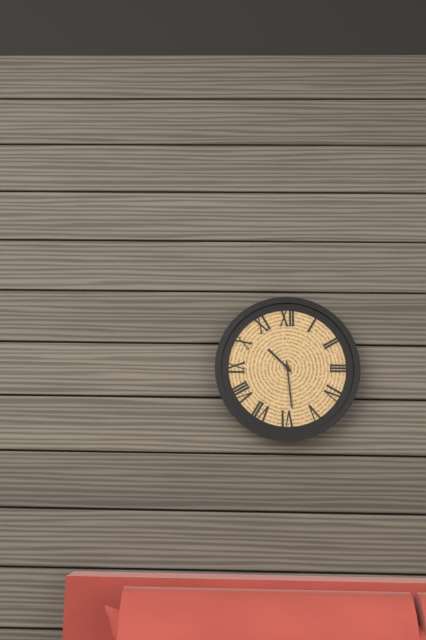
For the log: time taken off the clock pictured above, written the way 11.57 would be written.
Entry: 10.29
